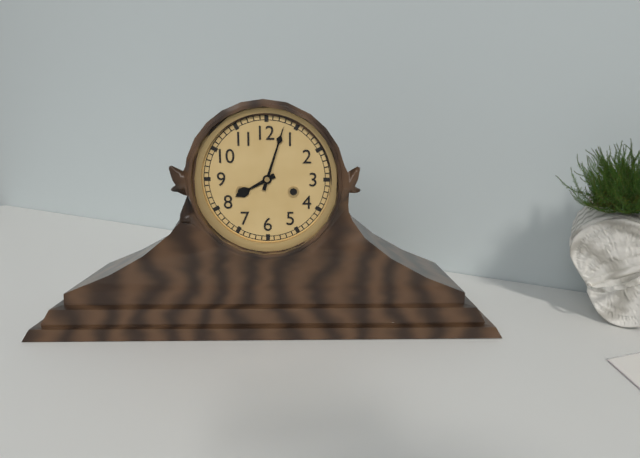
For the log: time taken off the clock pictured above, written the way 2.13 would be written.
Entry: 8.03
